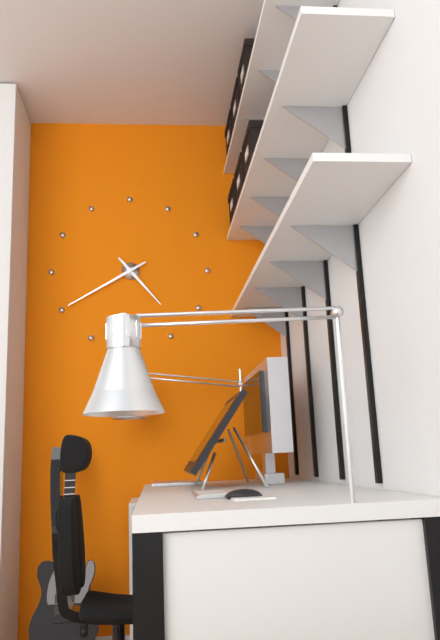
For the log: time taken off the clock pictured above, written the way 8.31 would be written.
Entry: 4.40
